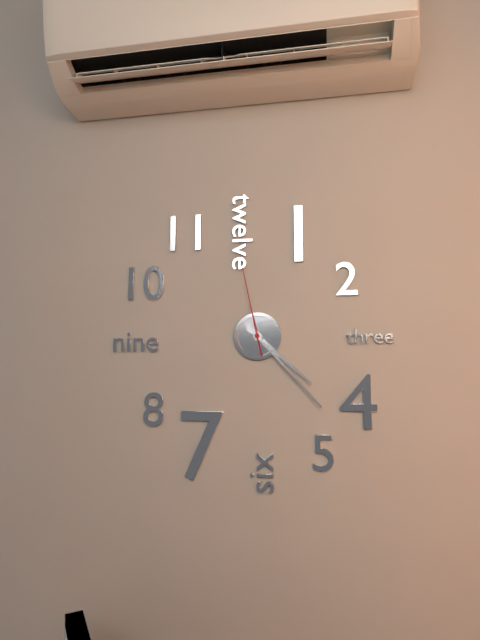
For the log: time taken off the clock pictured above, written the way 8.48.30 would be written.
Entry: 4.23.58
